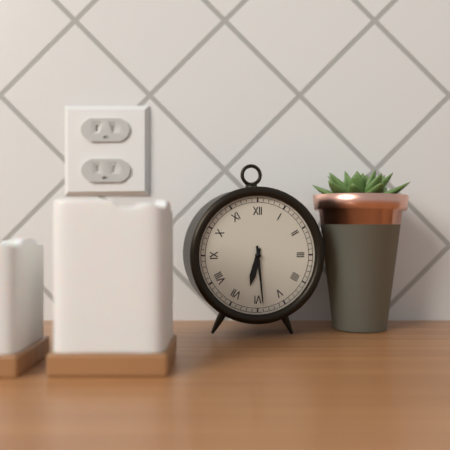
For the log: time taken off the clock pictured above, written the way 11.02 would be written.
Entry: 6.29
